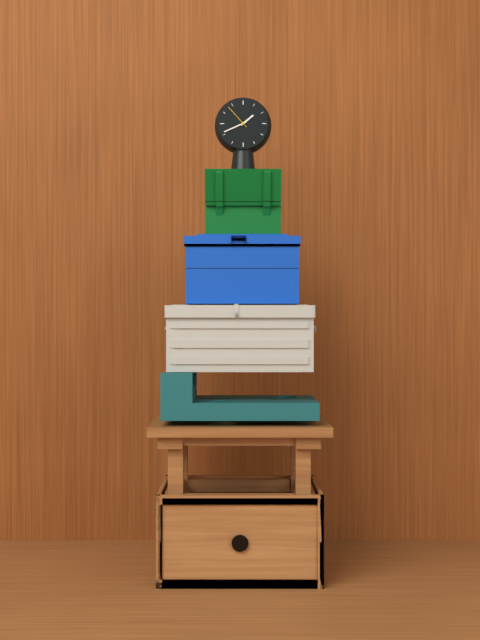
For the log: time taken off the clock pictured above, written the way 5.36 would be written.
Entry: 1.41
